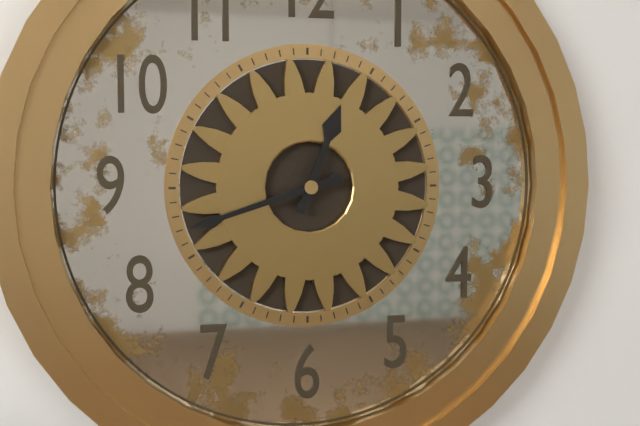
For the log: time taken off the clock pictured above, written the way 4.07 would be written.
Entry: 12.42
